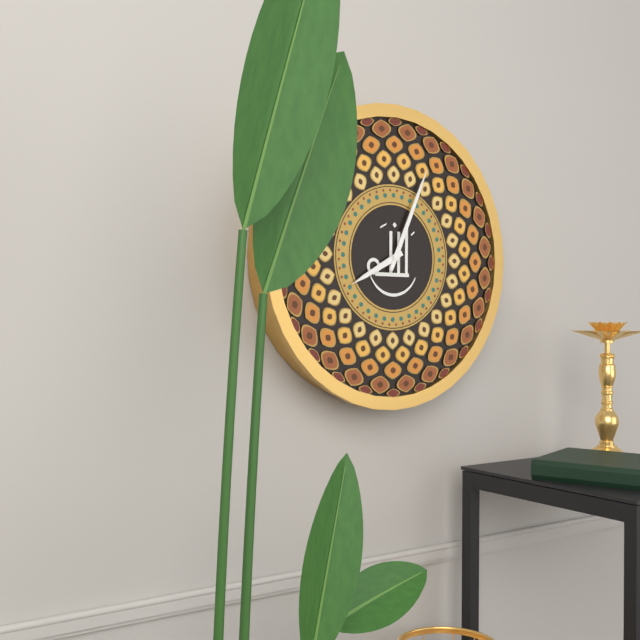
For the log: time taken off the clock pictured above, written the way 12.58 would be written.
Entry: 8.04
